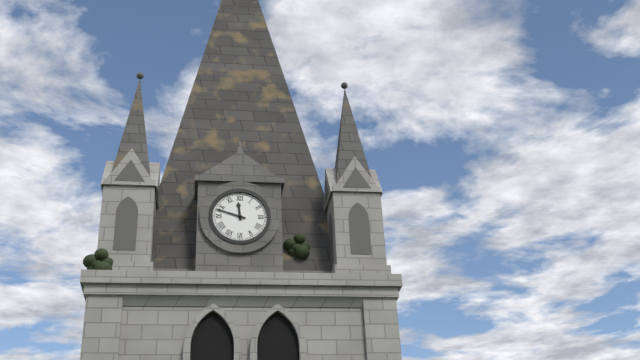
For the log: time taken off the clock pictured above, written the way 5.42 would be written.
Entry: 11.48
